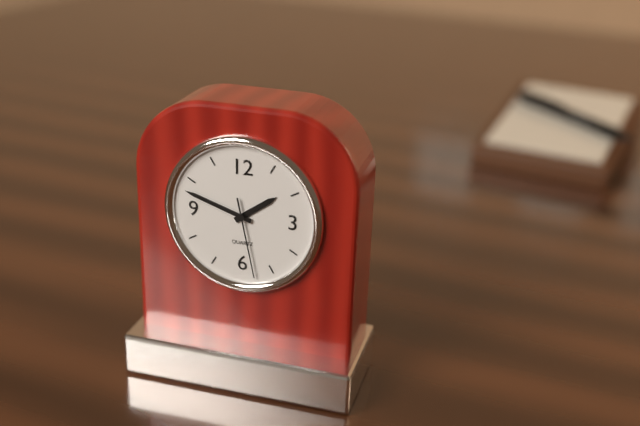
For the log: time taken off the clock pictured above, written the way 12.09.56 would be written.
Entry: 1.48.28
